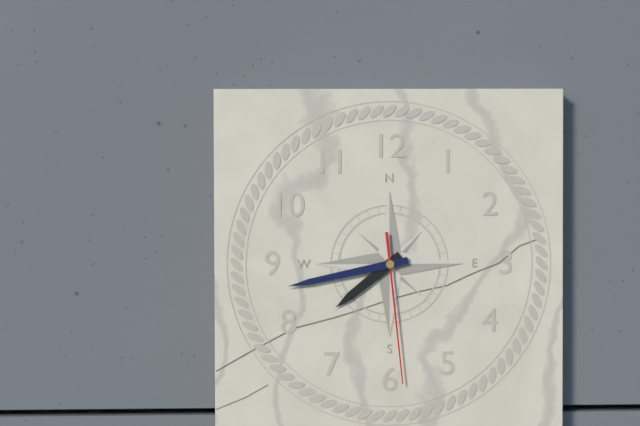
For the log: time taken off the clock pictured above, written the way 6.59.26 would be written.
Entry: 7.43.29
